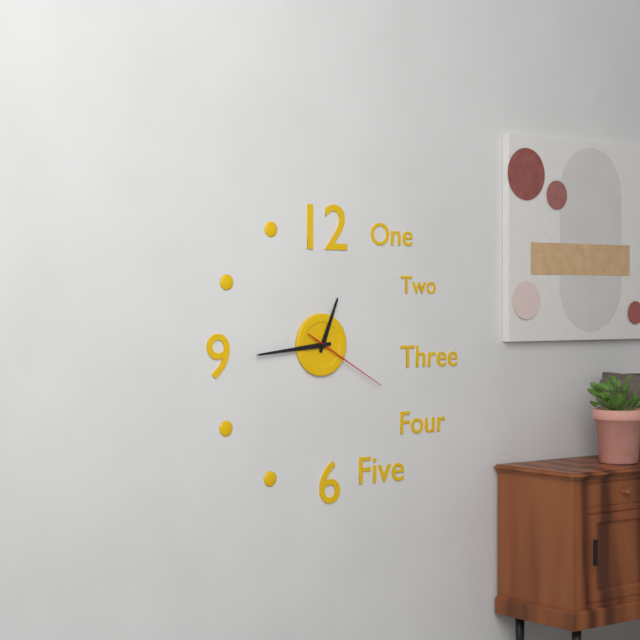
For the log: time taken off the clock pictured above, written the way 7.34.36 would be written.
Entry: 12.44.20
